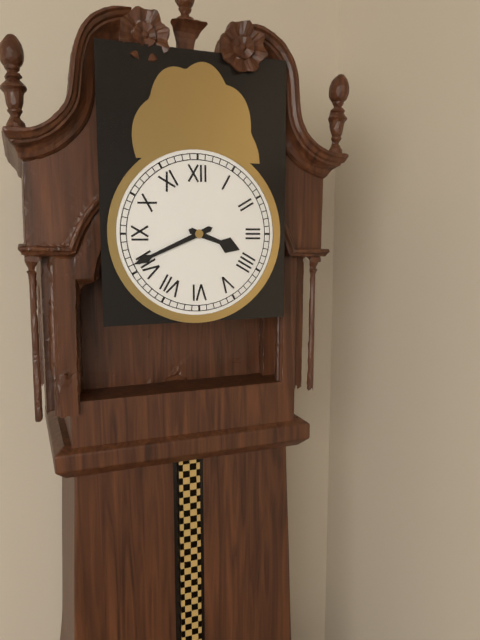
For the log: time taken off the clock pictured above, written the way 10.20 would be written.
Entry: 3.41
